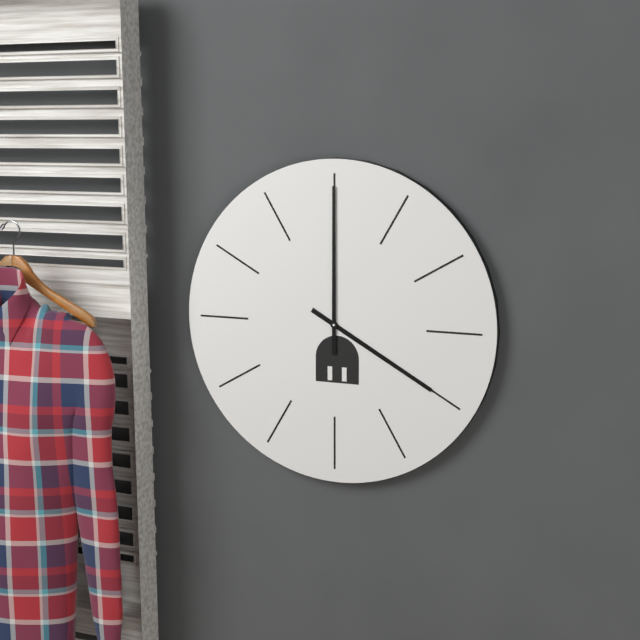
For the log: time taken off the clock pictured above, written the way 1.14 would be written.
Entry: 4.00
